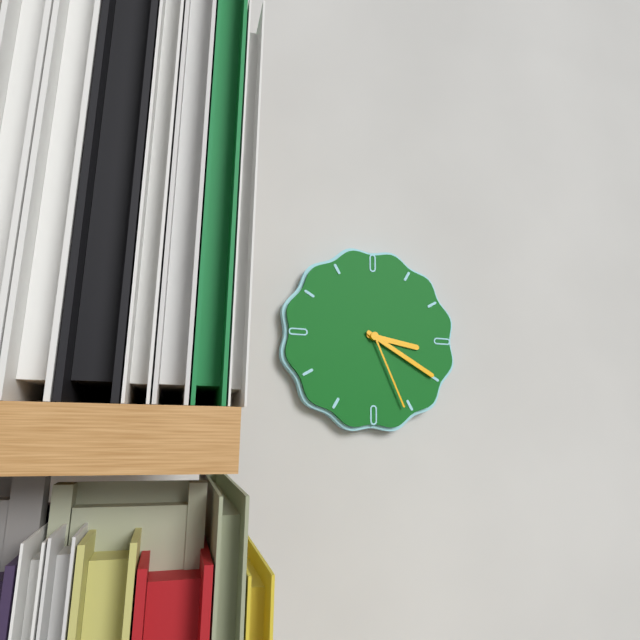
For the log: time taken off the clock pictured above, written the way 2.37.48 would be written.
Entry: 3.20.26
